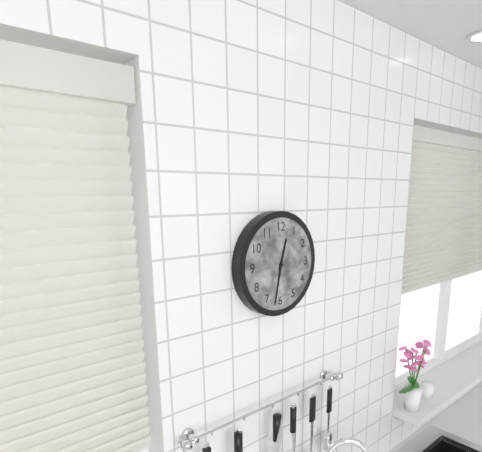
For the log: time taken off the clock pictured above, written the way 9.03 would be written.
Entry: 12.32
